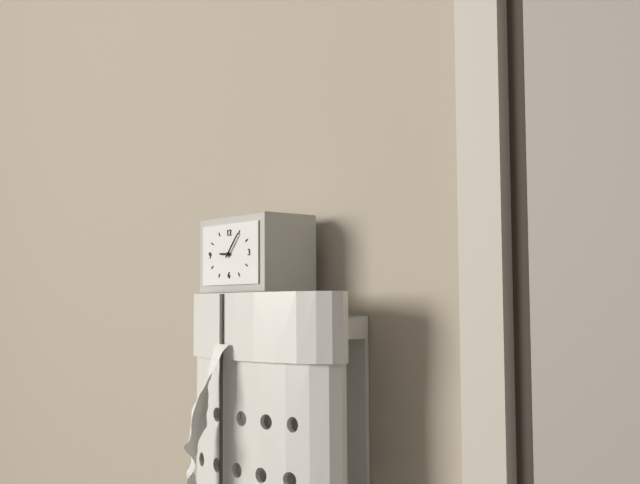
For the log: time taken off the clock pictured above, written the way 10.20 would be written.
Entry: 9.07
